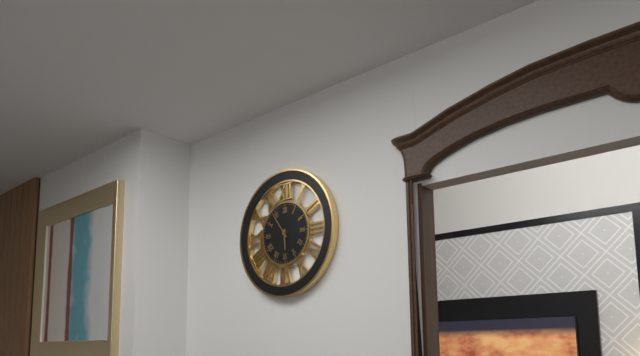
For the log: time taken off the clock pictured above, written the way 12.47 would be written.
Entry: 5.54
